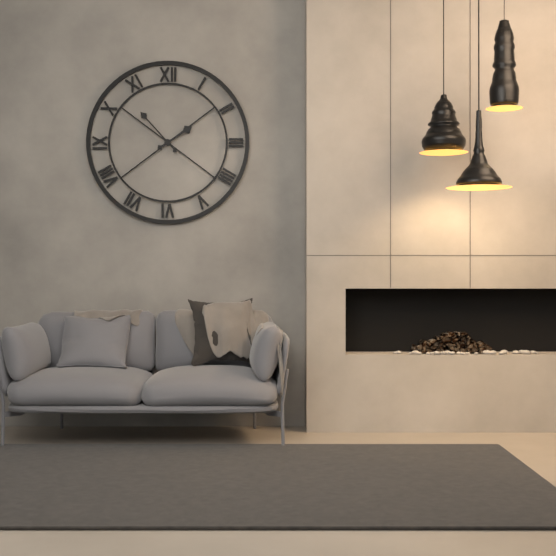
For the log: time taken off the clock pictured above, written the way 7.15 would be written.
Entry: 1.53
